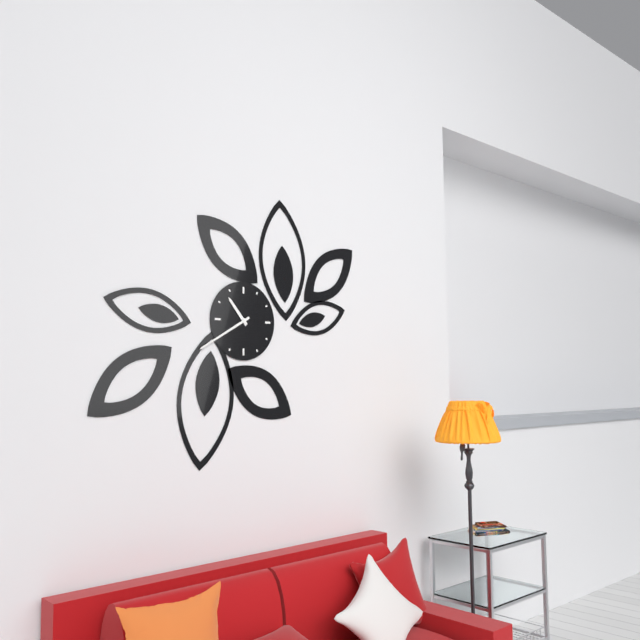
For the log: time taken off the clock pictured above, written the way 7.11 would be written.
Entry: 10.40
